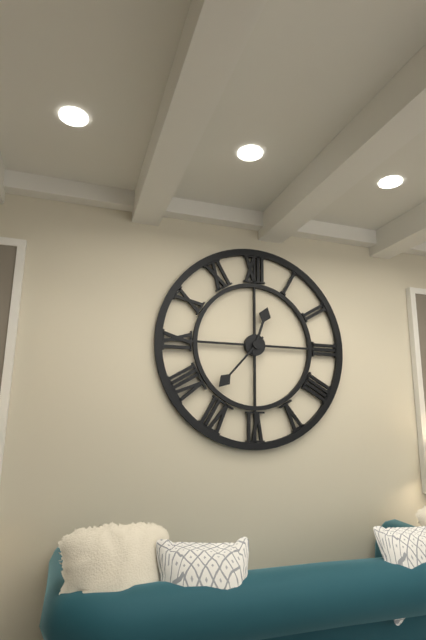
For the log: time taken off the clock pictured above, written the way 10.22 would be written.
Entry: 12.37
